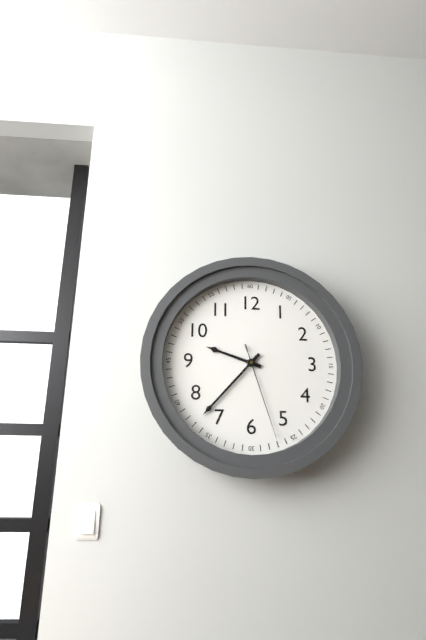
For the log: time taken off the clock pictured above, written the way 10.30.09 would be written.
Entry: 9.37.27
